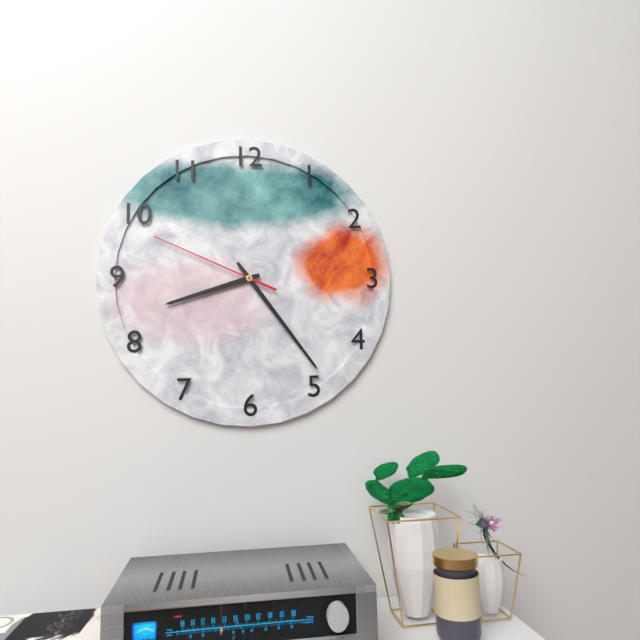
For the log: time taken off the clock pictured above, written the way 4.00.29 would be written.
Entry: 8.24.49
